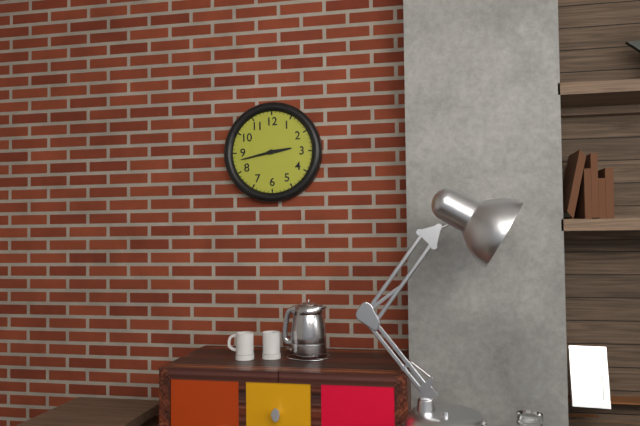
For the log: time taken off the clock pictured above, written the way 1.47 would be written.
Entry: 2.43
